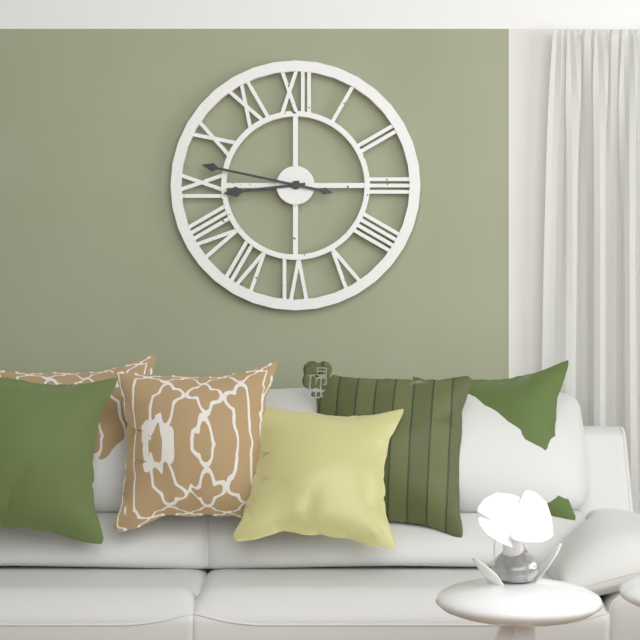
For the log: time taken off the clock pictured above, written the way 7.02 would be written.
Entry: 8.47
